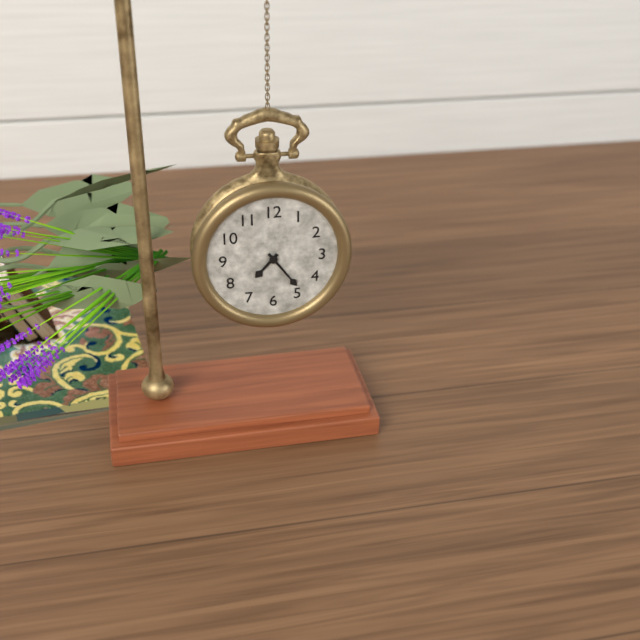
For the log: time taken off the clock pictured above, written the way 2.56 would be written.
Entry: 7.24
